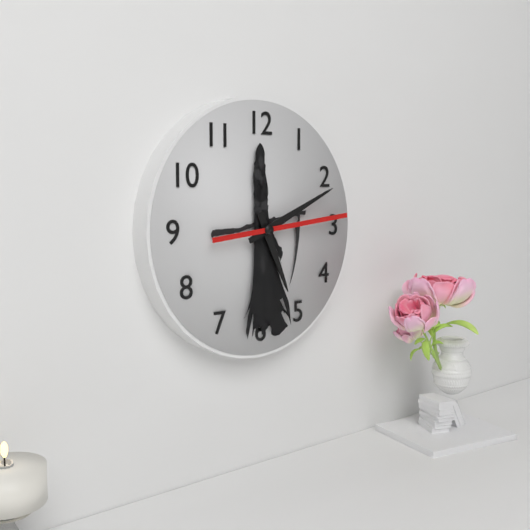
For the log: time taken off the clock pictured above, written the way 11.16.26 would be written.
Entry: 5.11.14
